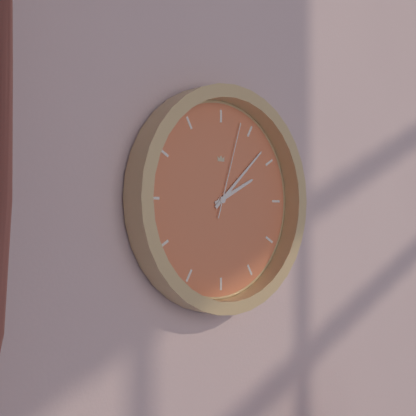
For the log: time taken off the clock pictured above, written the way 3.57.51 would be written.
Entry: 2.08.03
